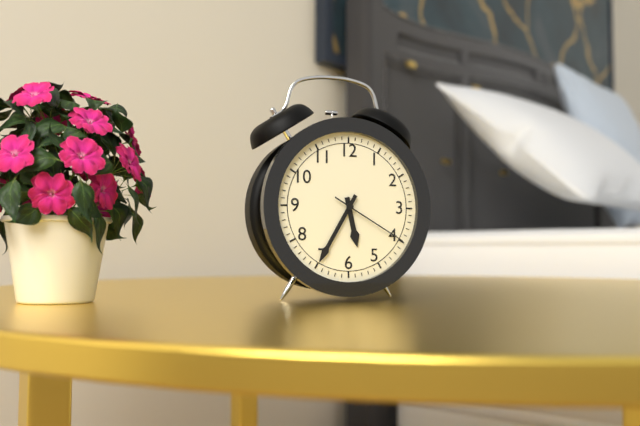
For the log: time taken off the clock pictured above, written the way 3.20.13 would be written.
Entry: 5.35.20
